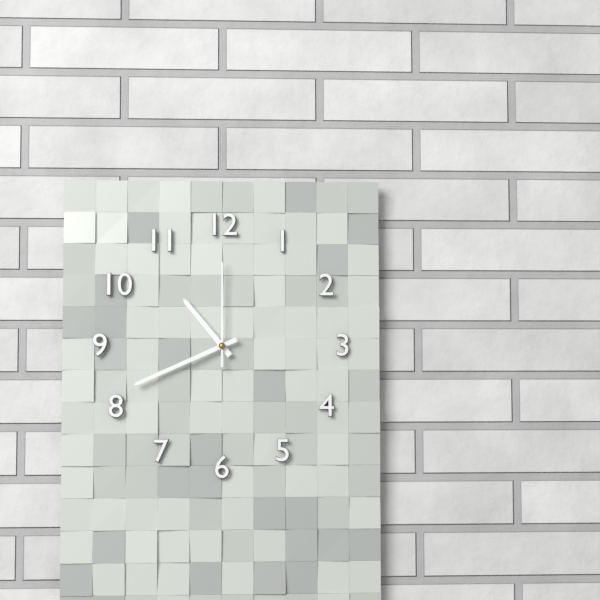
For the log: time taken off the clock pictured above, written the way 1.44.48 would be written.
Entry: 10.41.00
